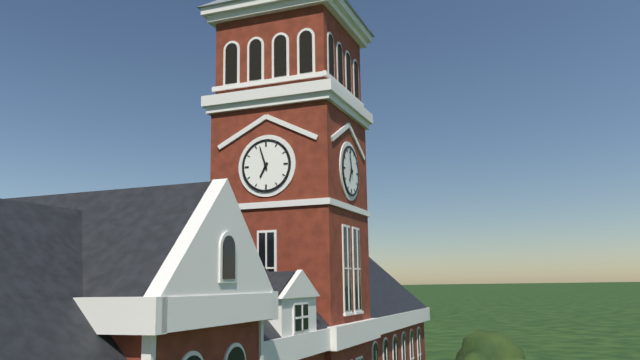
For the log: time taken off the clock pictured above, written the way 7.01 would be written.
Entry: 6.57
